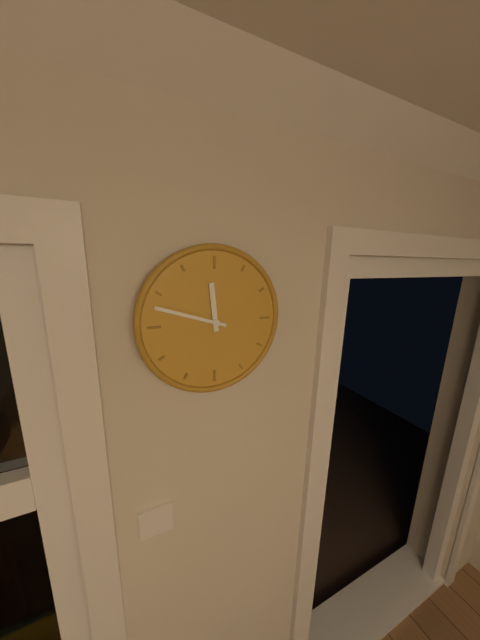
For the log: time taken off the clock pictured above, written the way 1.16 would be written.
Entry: 11.48
